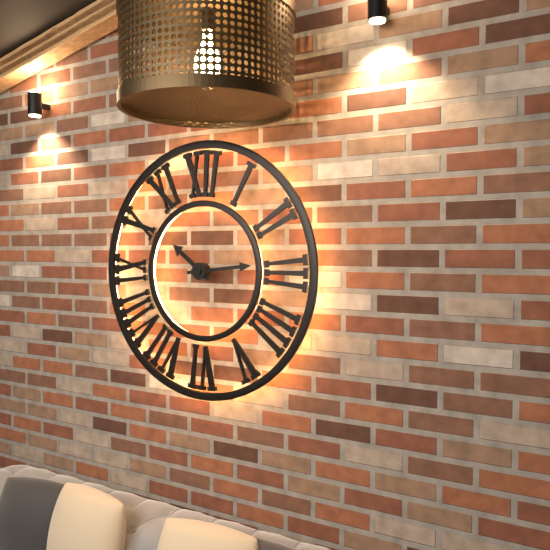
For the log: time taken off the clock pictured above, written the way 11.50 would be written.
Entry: 10.14
